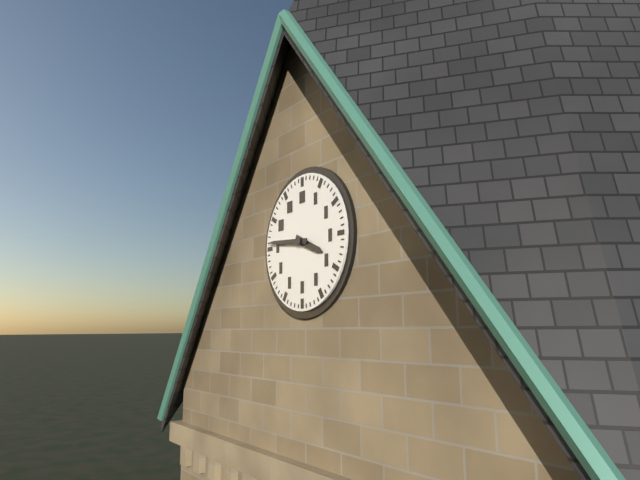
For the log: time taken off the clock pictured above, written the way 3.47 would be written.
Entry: 3.46
